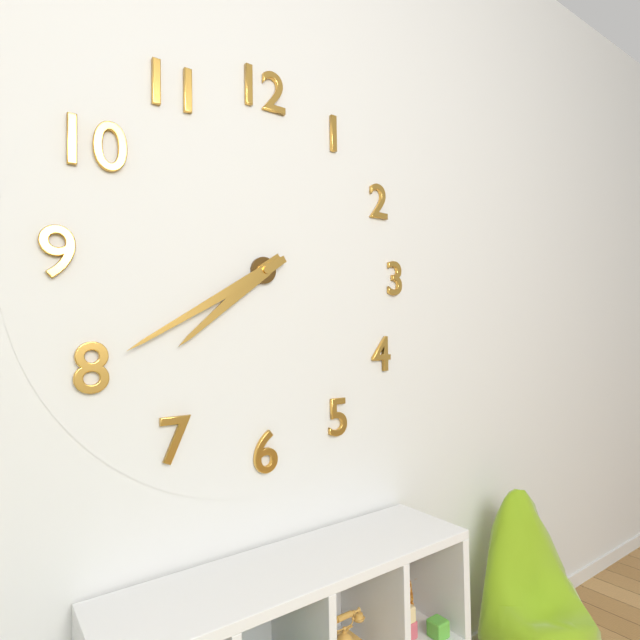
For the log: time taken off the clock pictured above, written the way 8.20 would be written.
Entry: 7.40
